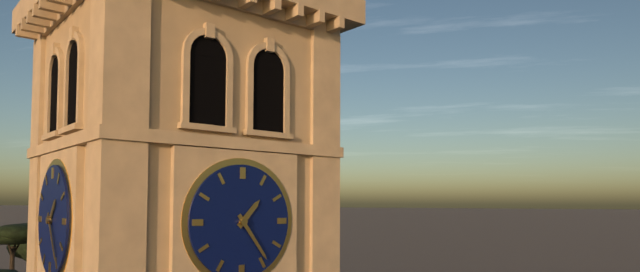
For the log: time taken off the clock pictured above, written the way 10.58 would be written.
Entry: 1.24
